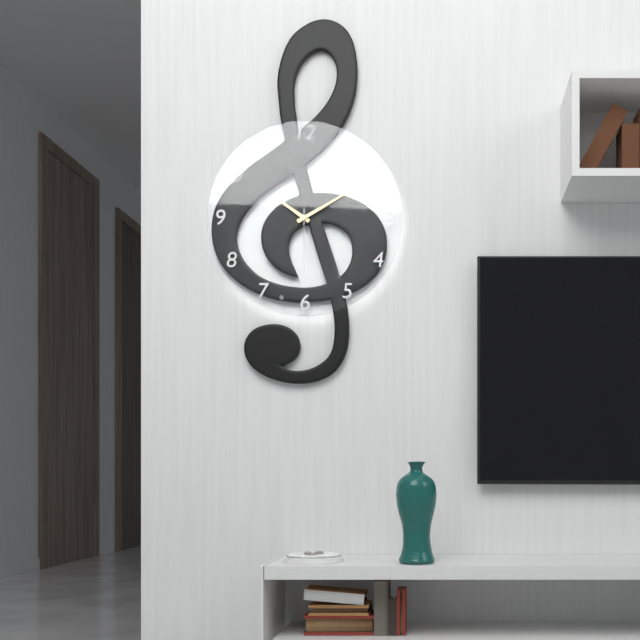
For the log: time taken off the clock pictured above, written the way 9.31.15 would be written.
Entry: 10.10.30
